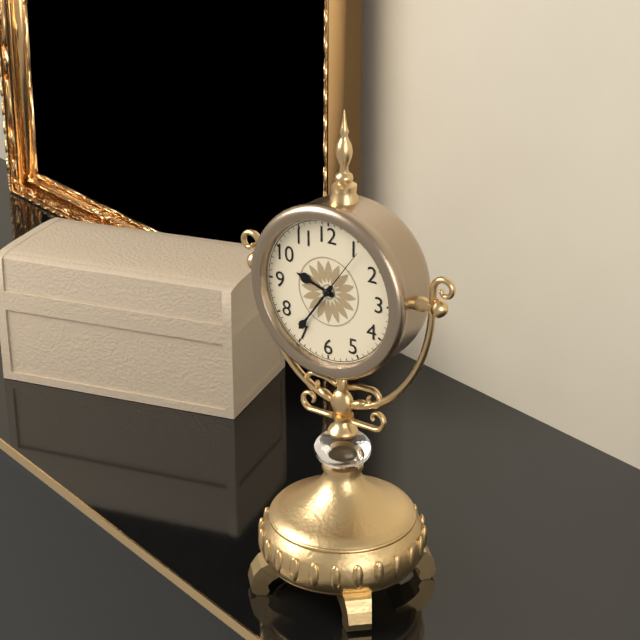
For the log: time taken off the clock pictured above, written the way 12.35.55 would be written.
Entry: 9.36.06
